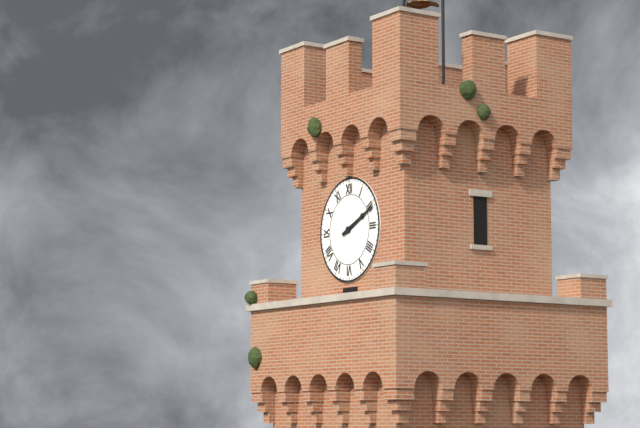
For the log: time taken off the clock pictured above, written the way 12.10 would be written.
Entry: 2.11
